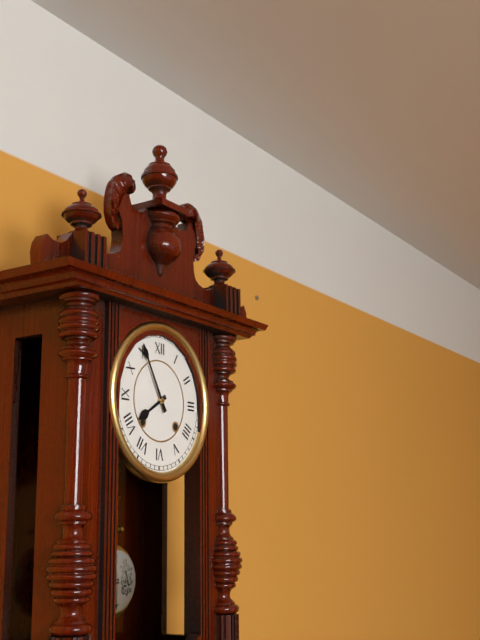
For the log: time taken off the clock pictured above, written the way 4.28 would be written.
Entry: 7.55
